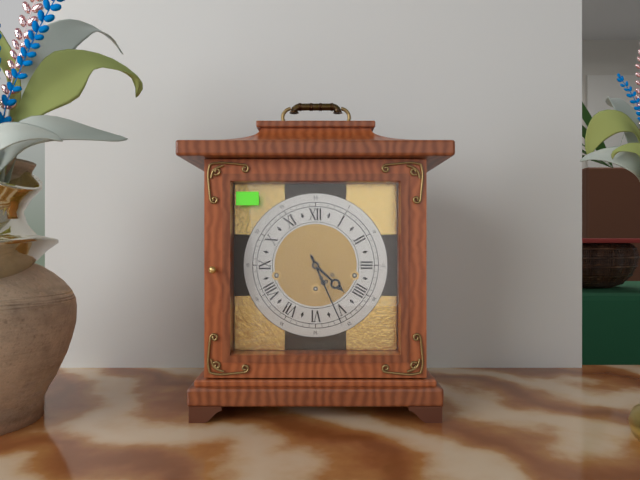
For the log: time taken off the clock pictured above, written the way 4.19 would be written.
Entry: 4.26
